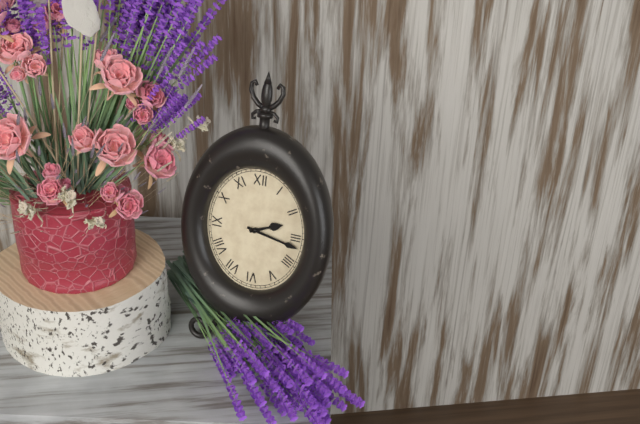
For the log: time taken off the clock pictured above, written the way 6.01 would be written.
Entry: 2.17
